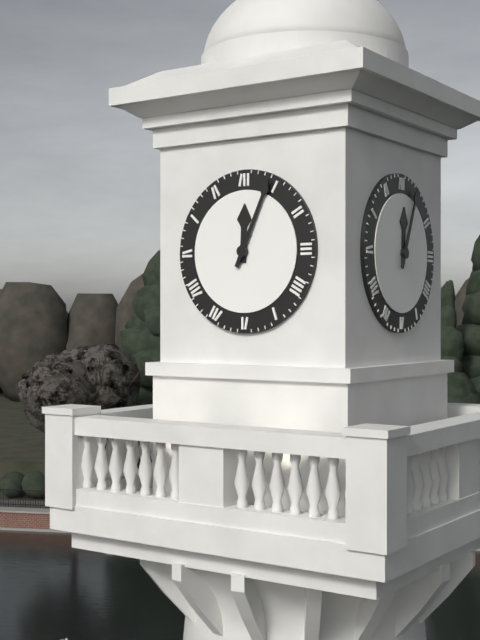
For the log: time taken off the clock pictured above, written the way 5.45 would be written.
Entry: 12.04
